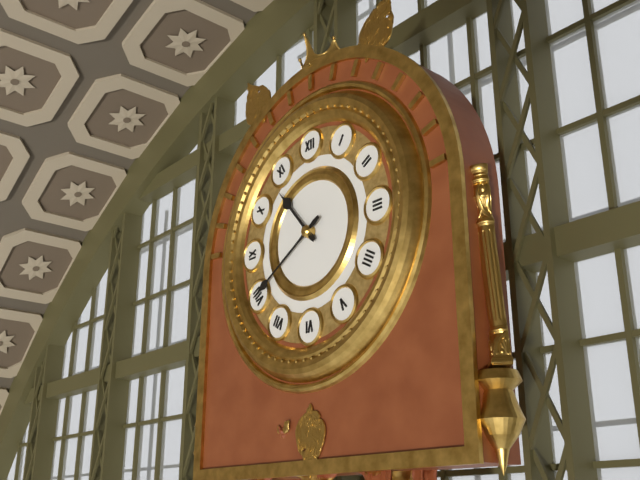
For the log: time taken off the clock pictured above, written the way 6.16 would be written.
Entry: 10.40
